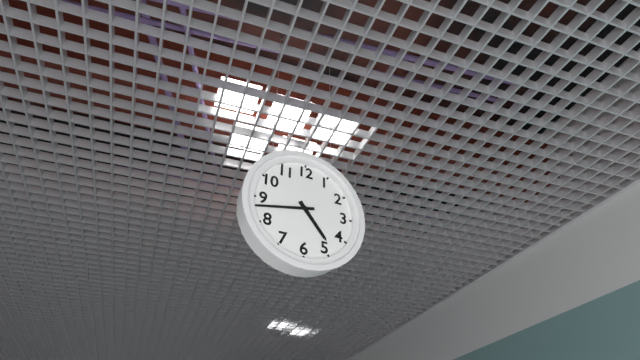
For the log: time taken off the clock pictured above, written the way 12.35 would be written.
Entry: 4.43
